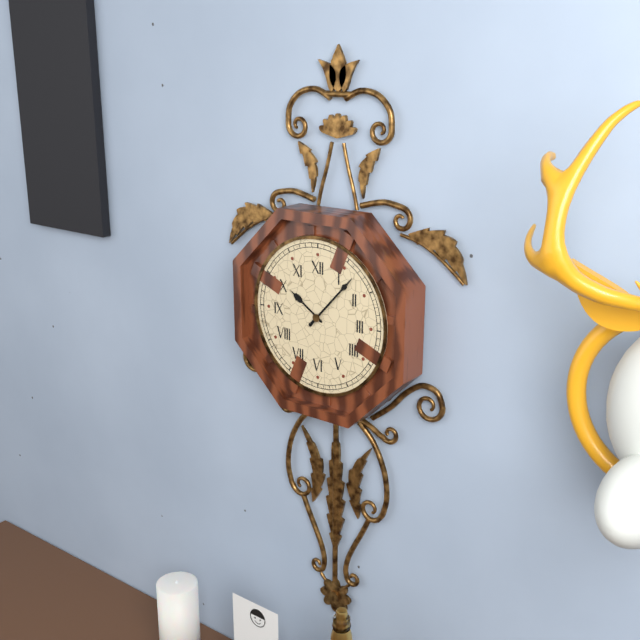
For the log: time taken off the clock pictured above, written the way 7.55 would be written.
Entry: 10.07
